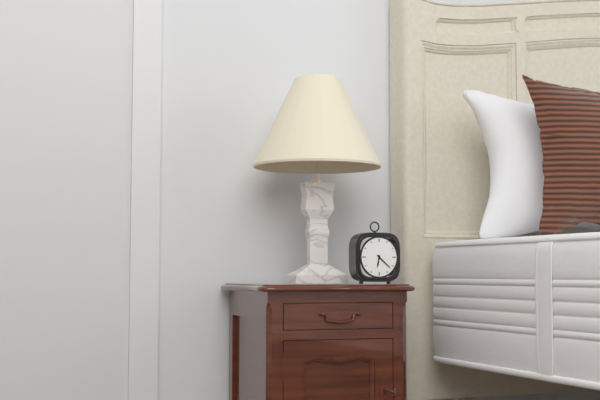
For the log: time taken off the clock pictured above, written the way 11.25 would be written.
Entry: 6.22
